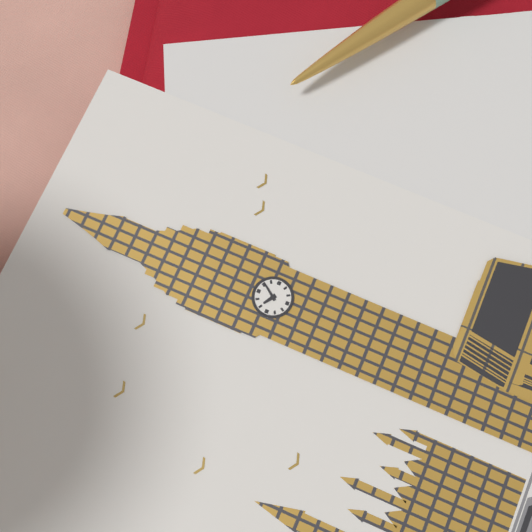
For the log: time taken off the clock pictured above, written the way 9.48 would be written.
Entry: 10.06
